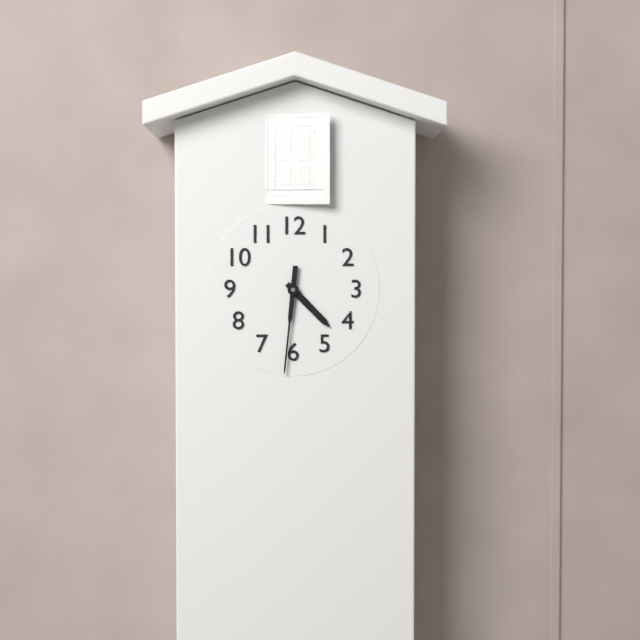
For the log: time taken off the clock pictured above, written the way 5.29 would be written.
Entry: 4.31
